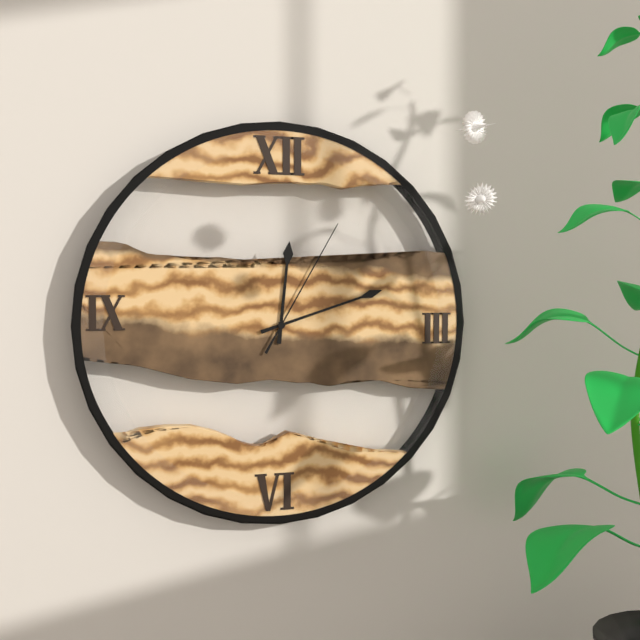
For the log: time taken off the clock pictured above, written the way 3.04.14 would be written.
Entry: 12.12.05
